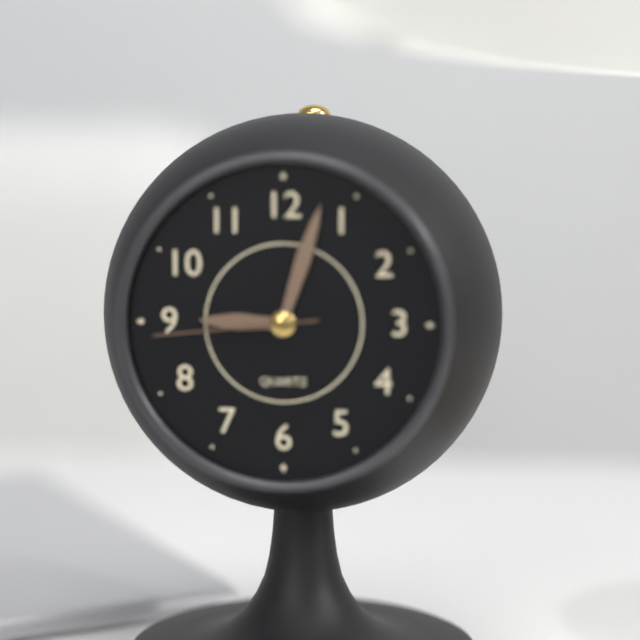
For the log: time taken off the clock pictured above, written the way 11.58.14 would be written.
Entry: 9.03.44
